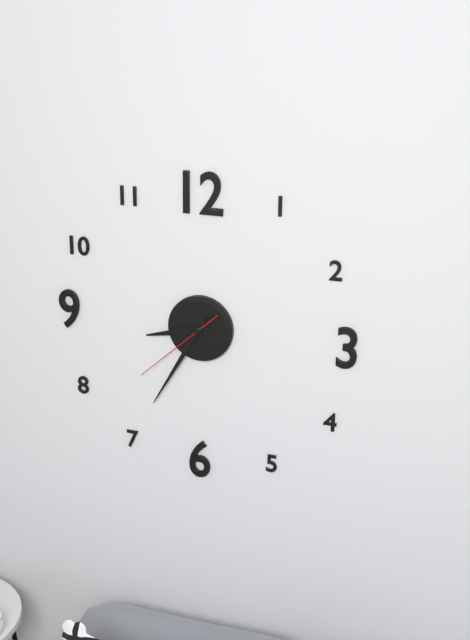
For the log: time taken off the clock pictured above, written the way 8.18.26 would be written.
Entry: 8.35.38
